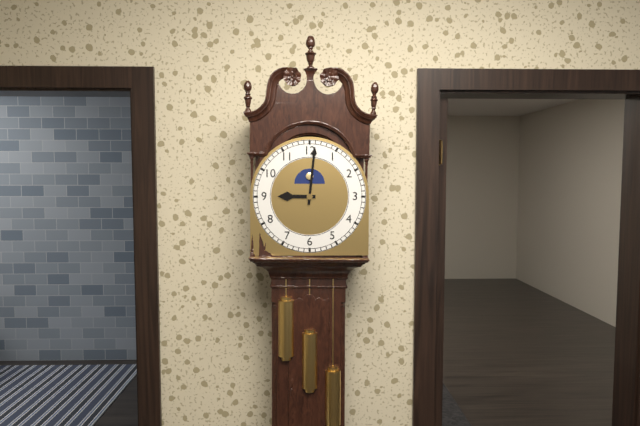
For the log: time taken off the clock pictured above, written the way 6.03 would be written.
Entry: 9.01
